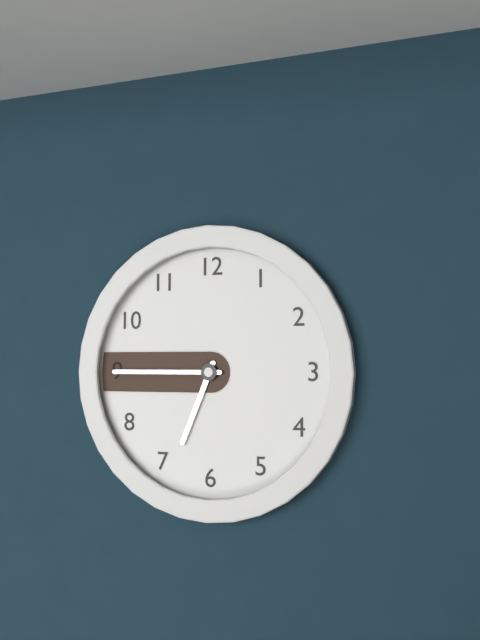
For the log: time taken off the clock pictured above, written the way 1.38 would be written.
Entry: 6.45
